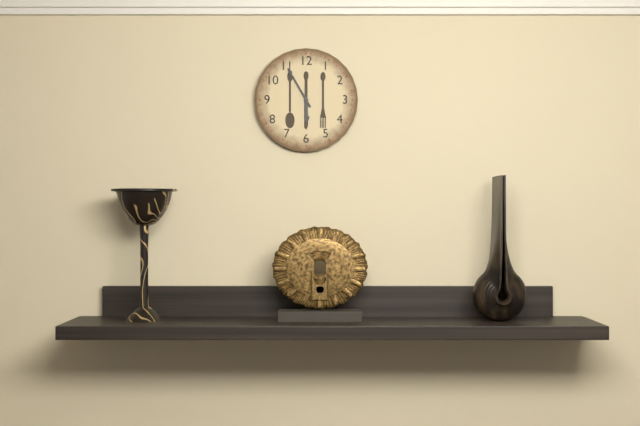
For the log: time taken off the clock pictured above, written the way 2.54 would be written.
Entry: 5.55
